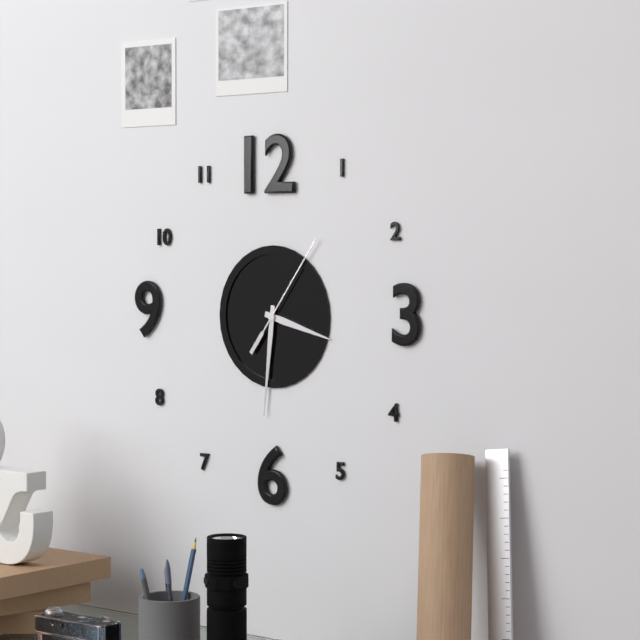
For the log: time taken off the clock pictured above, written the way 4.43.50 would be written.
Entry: 3.31.06
